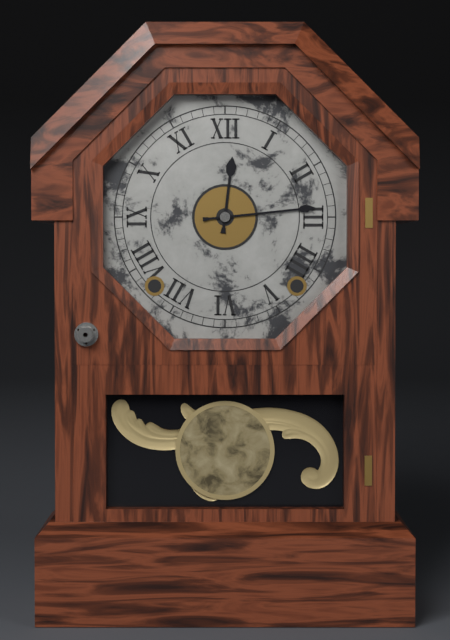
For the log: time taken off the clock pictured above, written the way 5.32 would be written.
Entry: 12.14
